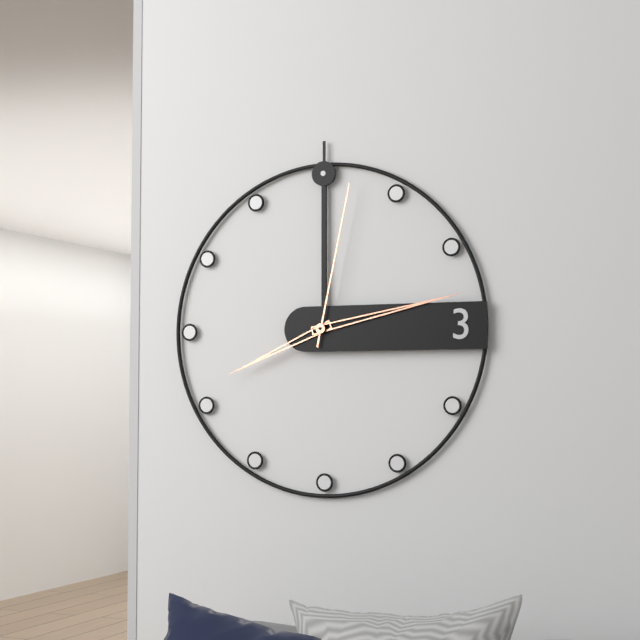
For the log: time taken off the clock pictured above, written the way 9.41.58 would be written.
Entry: 8.13.02
